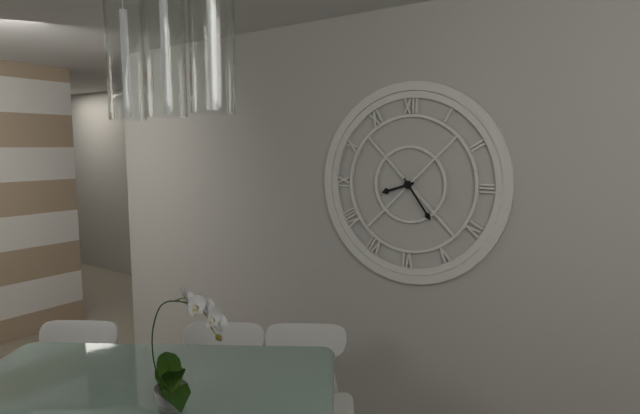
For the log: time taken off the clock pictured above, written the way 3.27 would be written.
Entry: 8.24
